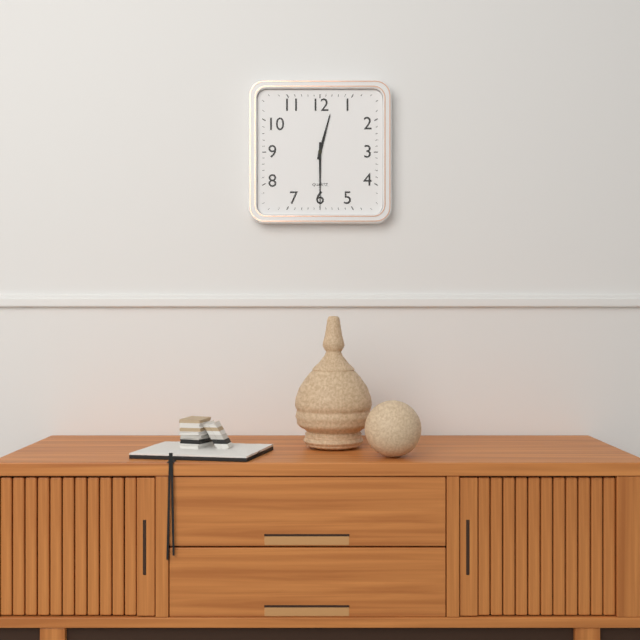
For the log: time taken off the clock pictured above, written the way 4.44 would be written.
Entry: 12.30
